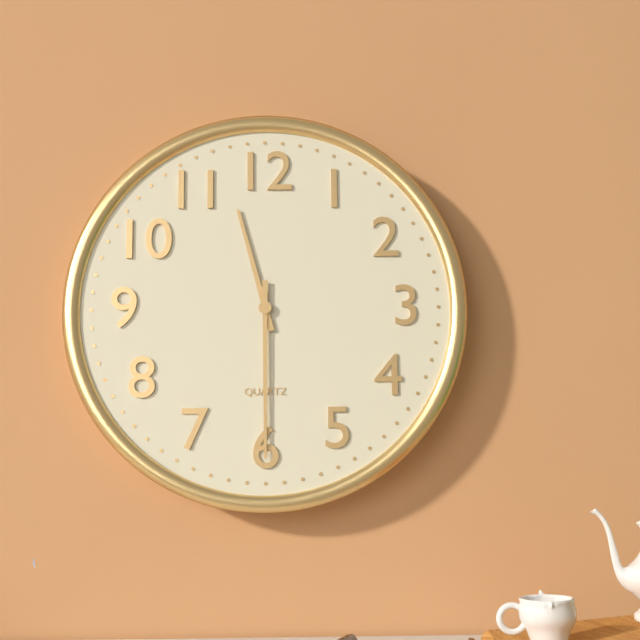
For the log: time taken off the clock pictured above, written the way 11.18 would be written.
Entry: 11.30
